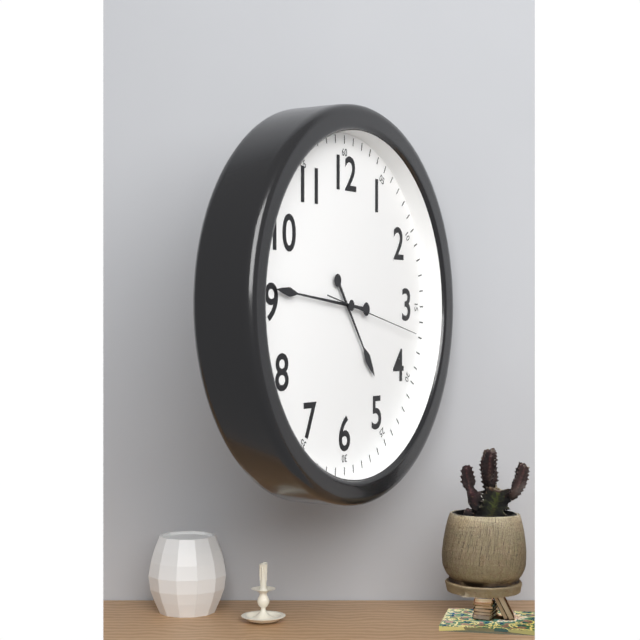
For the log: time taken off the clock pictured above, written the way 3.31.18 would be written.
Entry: 4.46.17
